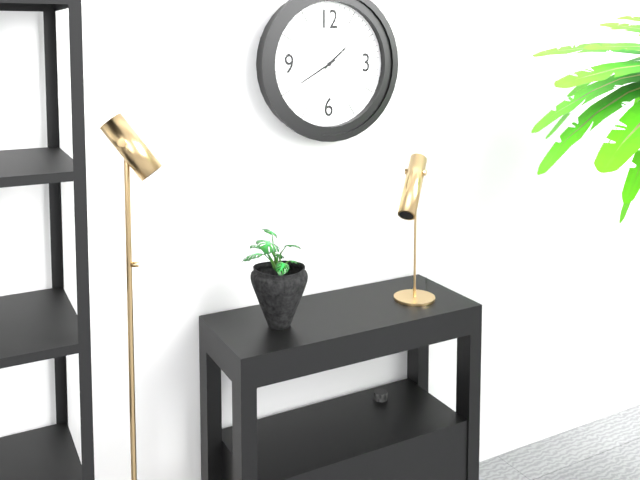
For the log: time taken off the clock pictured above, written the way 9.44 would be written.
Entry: 1.40
